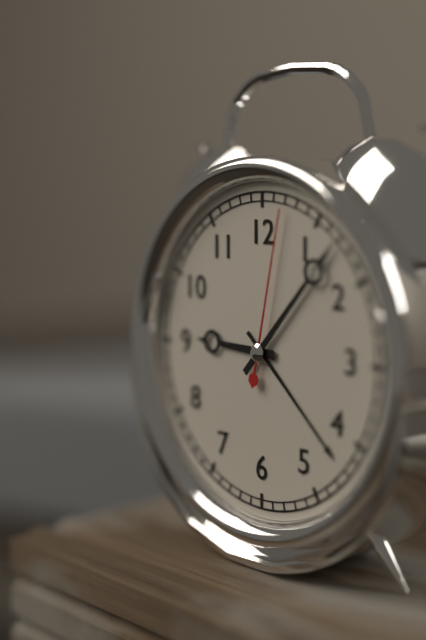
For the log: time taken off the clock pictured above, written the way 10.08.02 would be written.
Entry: 9.07.02
